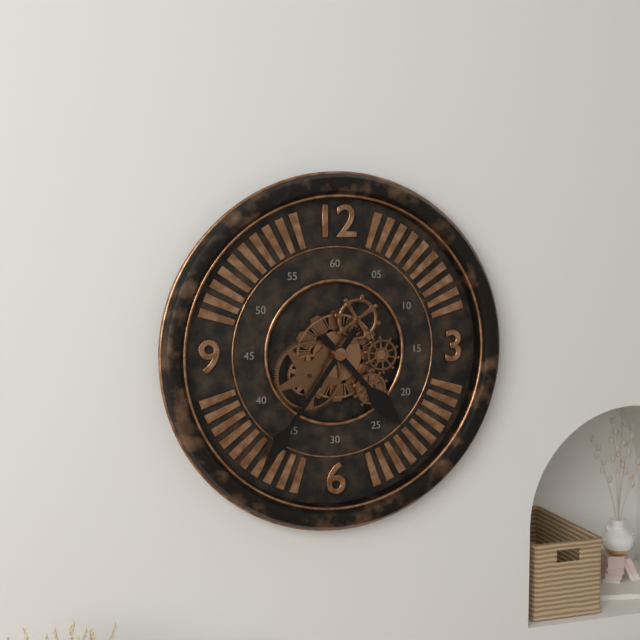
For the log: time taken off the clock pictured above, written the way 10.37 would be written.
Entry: 4.36
